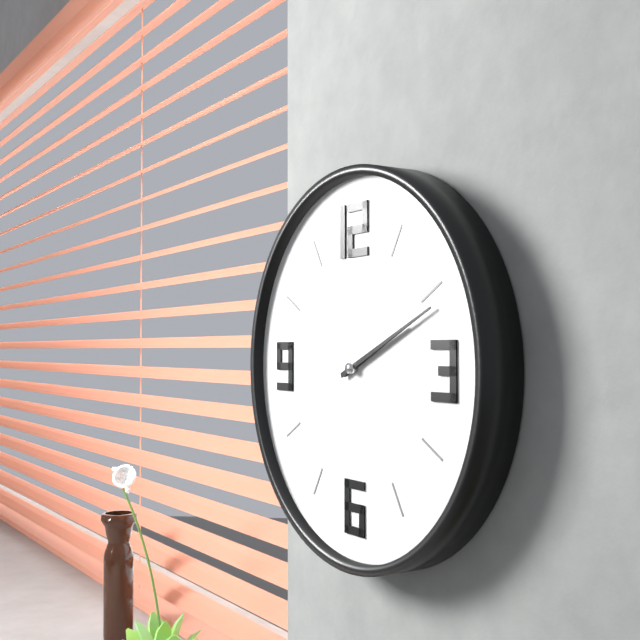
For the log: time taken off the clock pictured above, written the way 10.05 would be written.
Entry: 2.11
